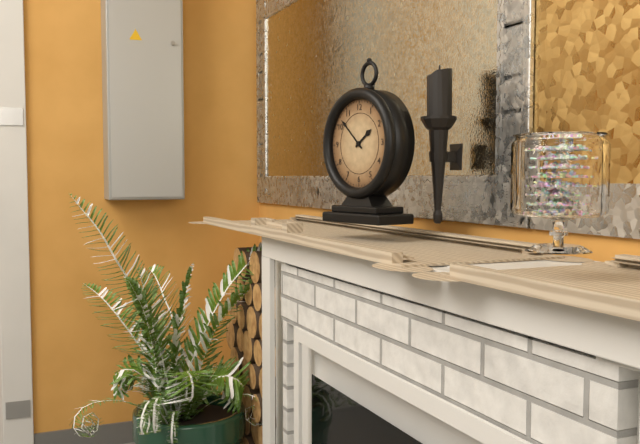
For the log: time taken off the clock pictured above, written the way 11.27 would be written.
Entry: 1.52
